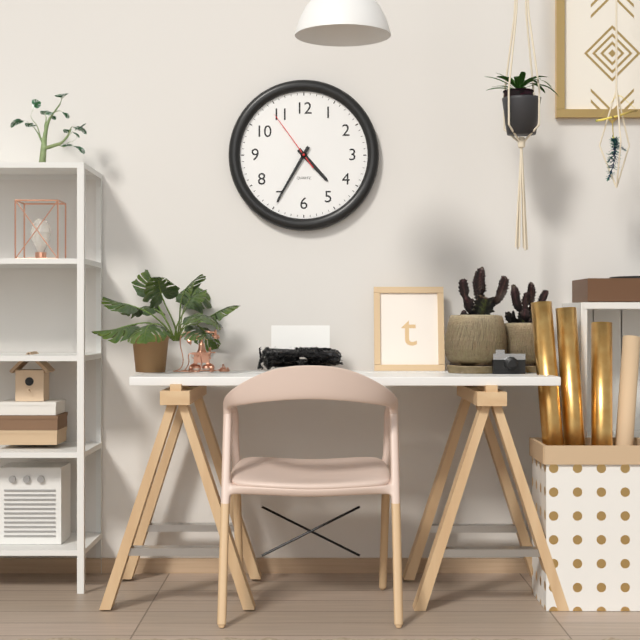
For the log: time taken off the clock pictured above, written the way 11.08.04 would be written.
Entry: 4.35.54
